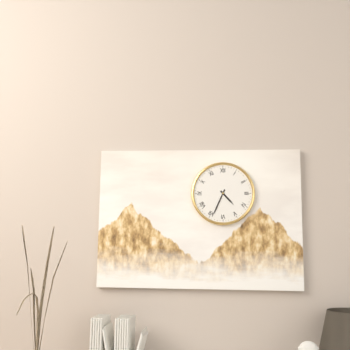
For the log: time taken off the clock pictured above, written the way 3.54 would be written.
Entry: 4.34
